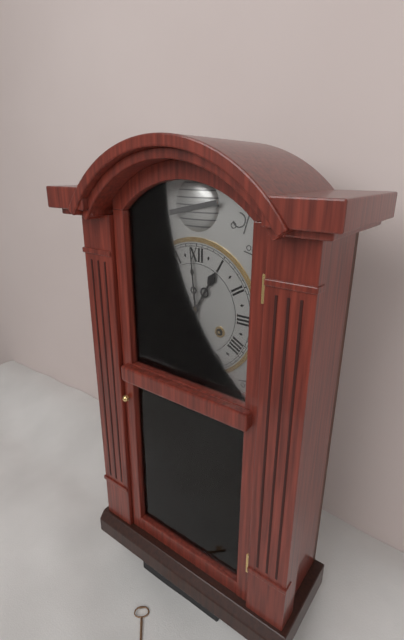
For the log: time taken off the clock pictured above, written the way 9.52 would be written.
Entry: 12.59
